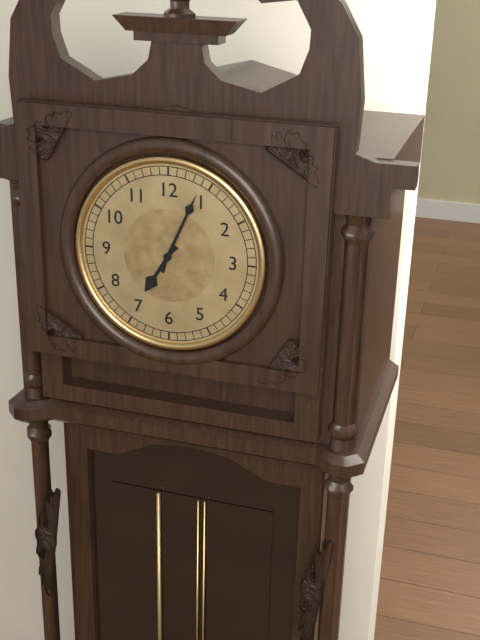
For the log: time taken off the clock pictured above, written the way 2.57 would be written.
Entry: 7.04
